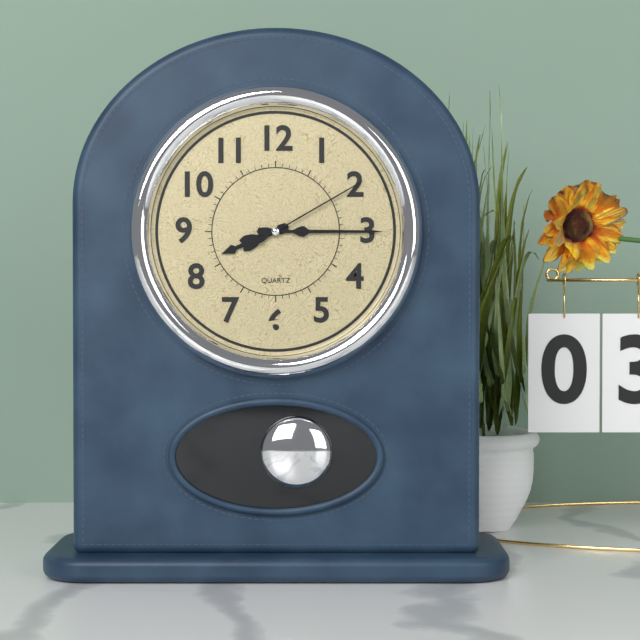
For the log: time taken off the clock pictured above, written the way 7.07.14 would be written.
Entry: 8.15.10
